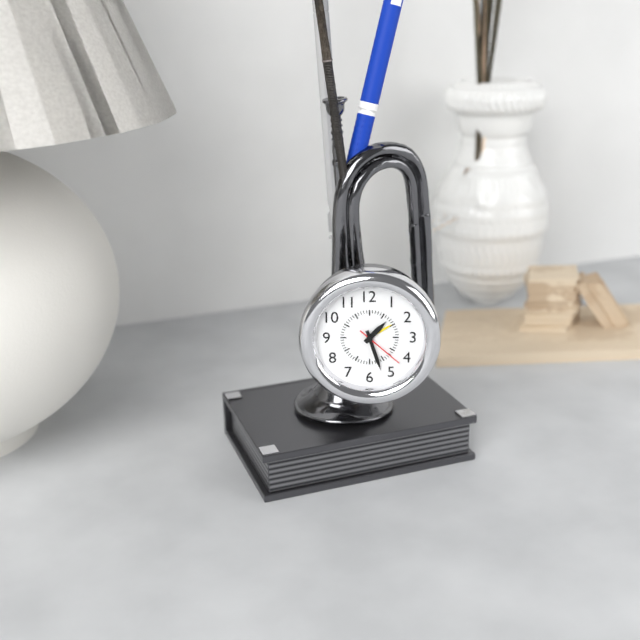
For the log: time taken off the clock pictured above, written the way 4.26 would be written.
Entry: 1.27
